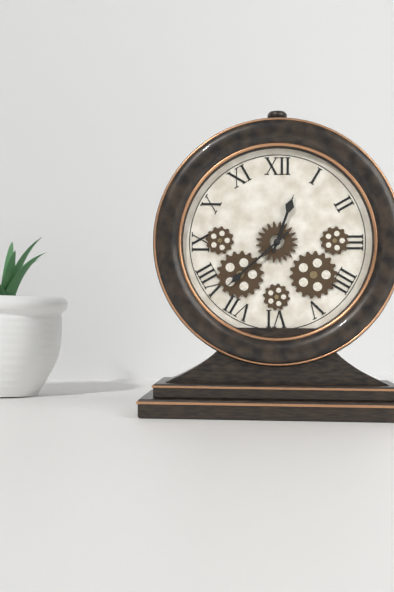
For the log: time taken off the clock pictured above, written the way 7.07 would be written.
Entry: 12.38
